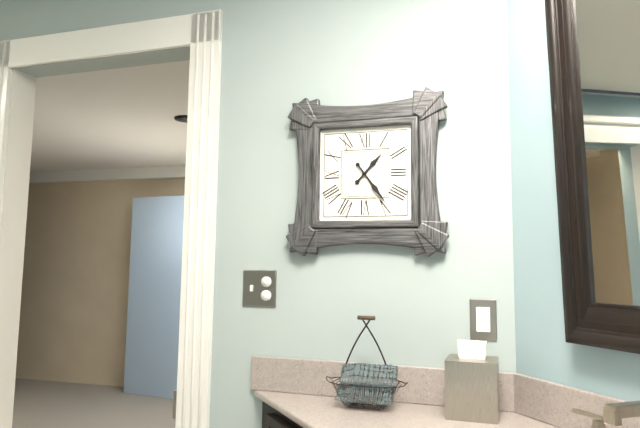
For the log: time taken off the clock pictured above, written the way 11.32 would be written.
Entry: 1.24
